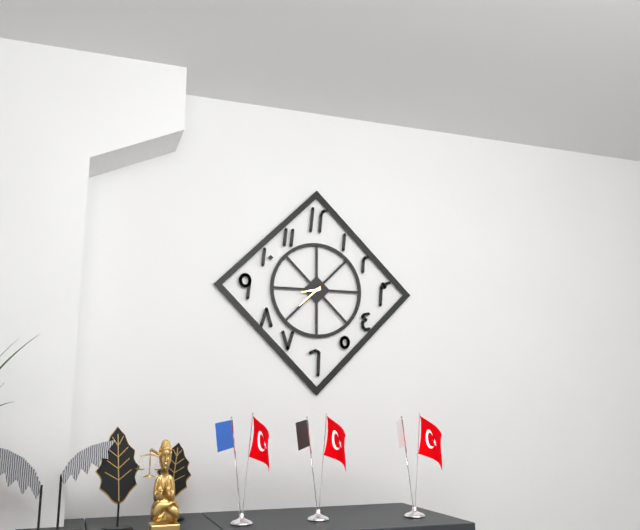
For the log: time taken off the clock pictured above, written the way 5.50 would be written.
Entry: 8.38
